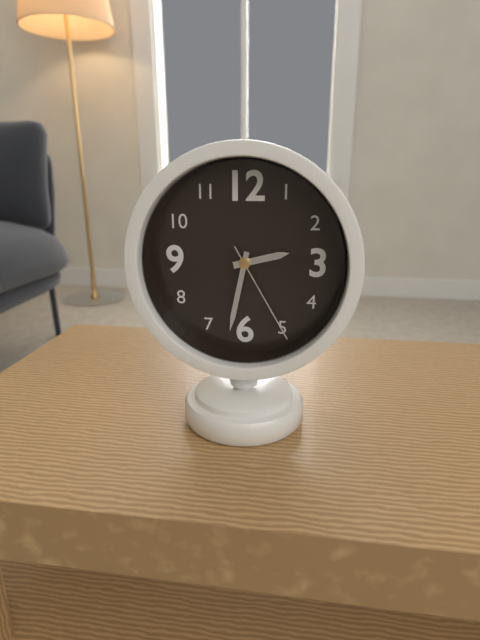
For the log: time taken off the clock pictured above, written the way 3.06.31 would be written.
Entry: 2.32.25
